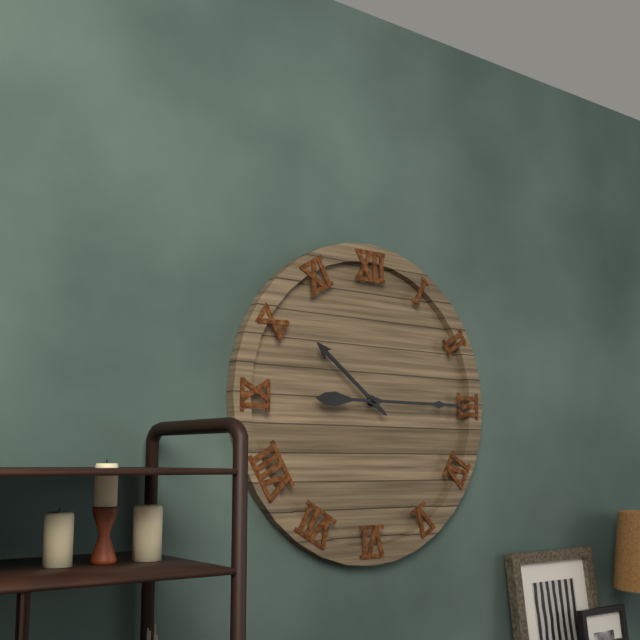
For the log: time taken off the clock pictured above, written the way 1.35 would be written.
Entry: 10.15
